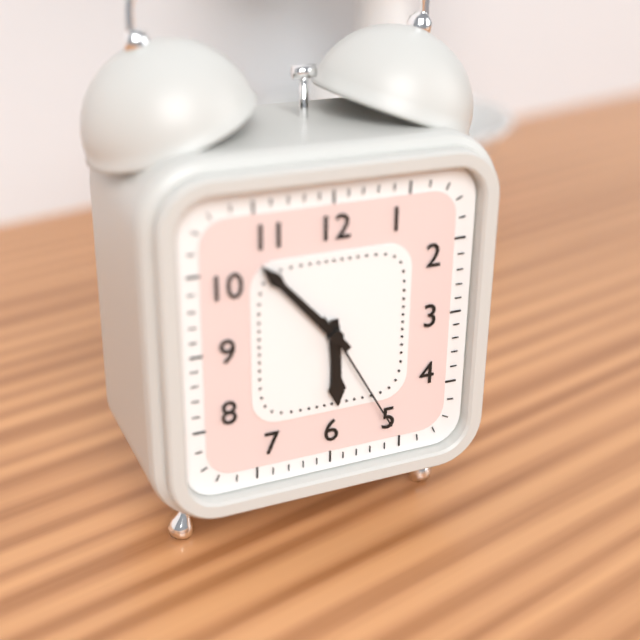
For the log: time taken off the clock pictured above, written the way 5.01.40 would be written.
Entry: 5.53.25
